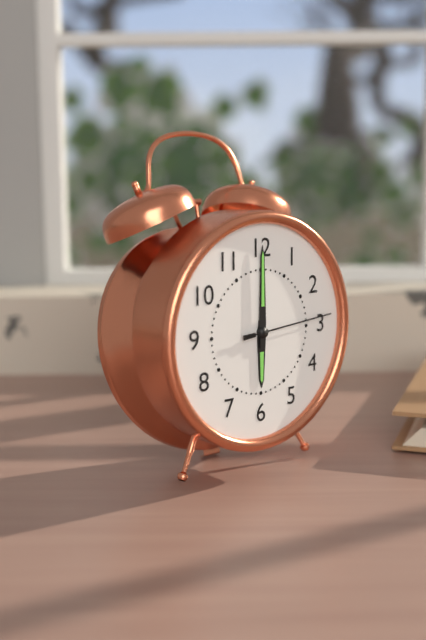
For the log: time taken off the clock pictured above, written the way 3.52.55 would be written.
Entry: 6.00.14
